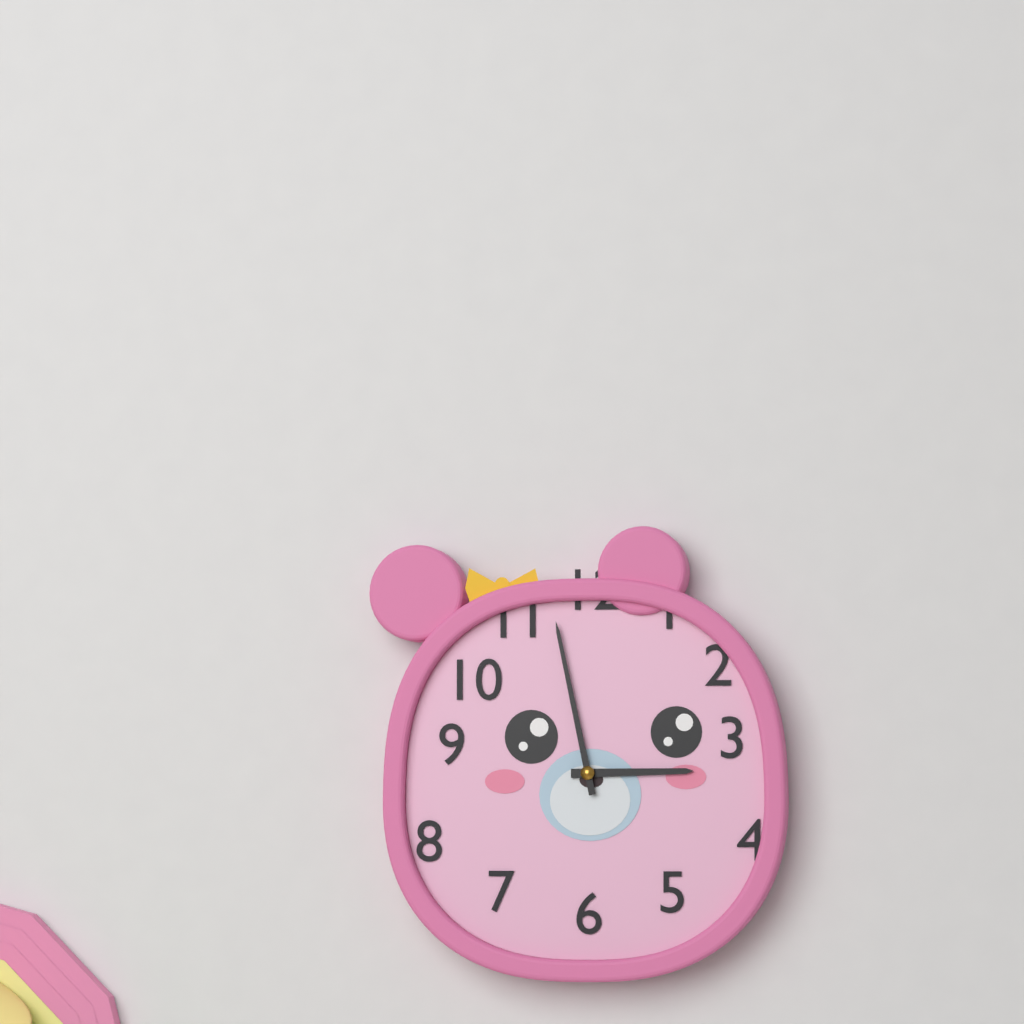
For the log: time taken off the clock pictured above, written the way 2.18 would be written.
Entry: 2.58
